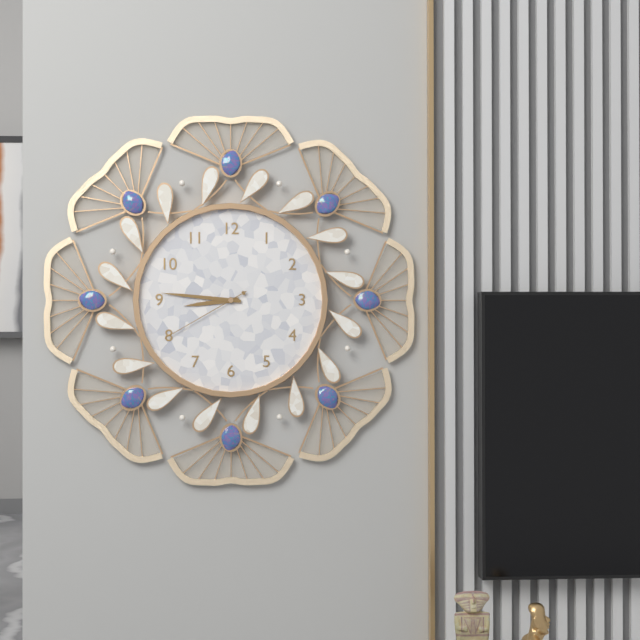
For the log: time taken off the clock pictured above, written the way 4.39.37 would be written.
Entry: 8.46.40
